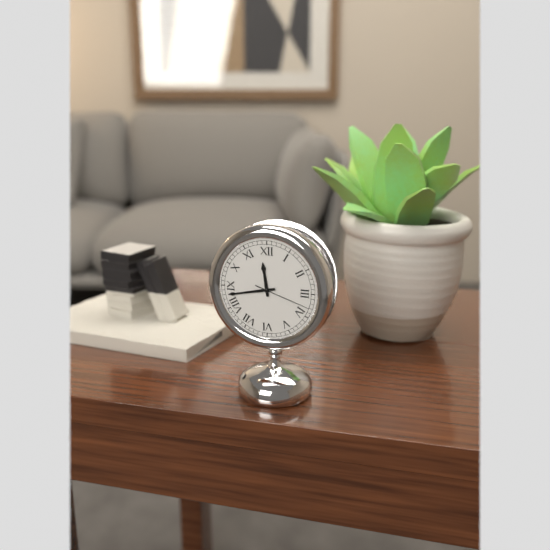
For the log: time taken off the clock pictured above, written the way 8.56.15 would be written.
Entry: 11.43.18
